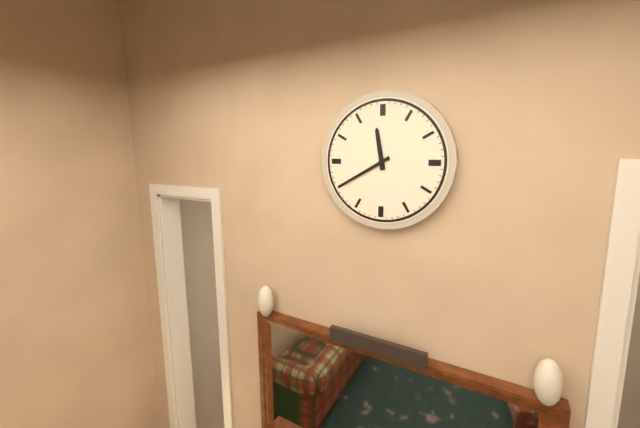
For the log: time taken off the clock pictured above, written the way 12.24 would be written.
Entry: 11.40
